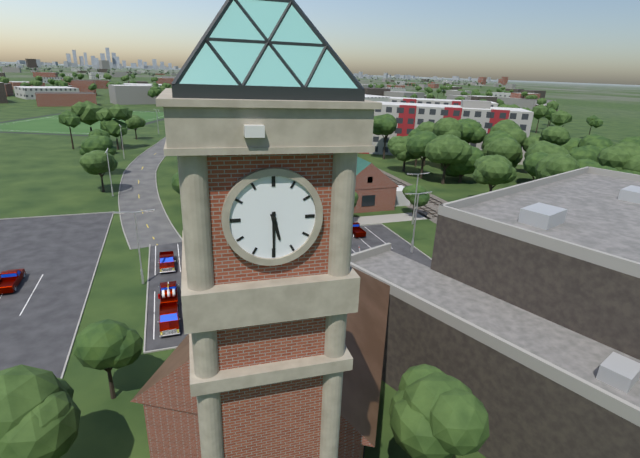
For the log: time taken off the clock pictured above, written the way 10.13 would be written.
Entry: 5.30
